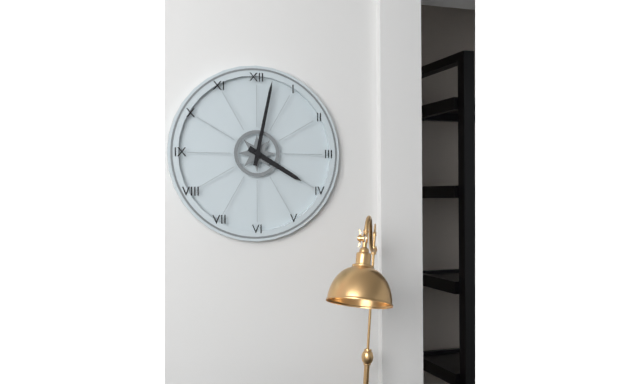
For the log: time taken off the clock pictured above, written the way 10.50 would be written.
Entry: 4.02
